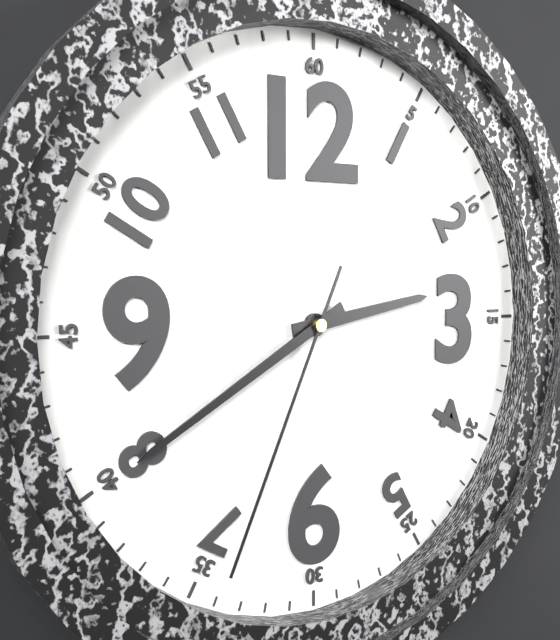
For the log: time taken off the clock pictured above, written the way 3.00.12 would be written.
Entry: 2.40.34
